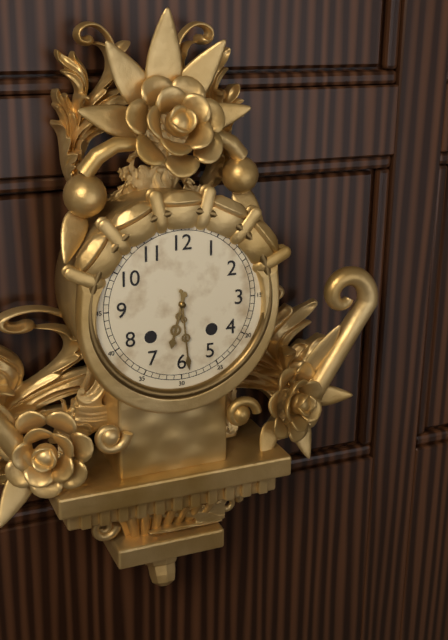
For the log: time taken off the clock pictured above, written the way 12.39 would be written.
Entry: 6.29
